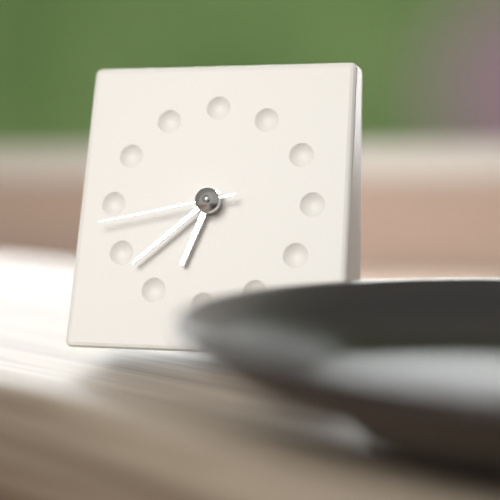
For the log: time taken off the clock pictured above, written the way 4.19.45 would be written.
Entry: 6.38.43
